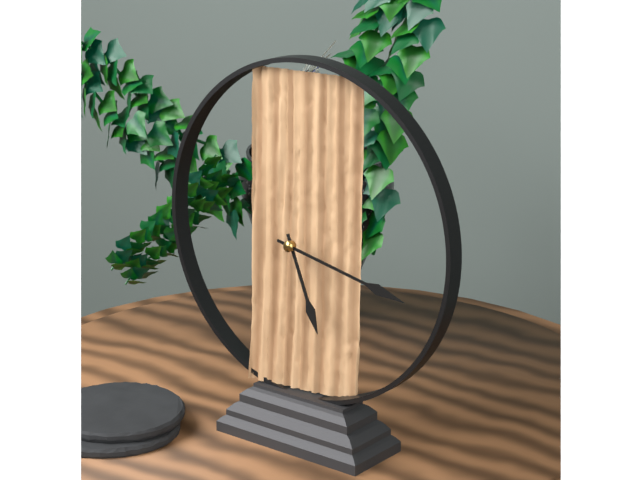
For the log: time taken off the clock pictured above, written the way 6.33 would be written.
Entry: 5.17
